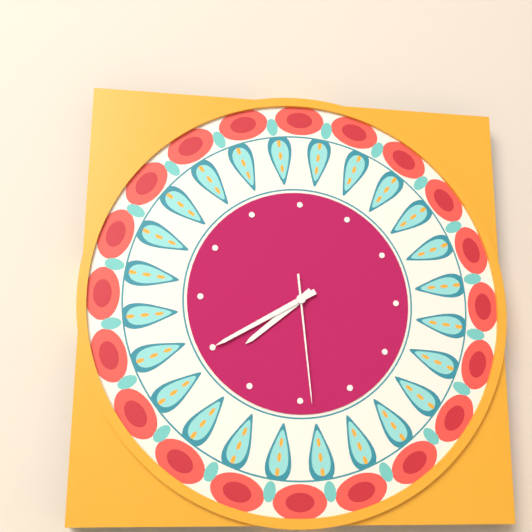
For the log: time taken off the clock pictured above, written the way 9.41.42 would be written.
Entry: 7.40.29
